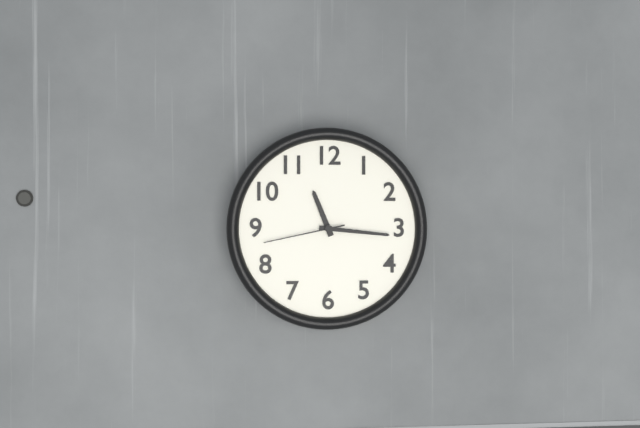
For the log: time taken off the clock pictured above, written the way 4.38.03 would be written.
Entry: 11.16.43
